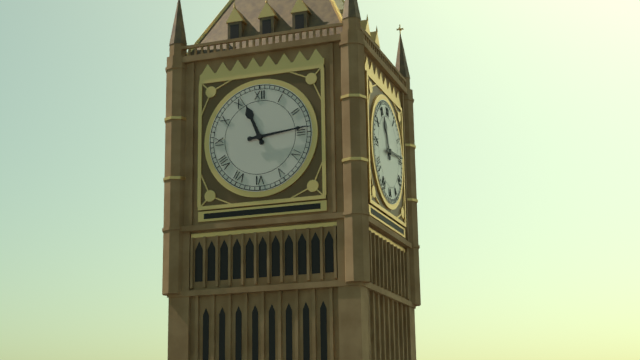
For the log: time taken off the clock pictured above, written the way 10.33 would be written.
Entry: 11.14
